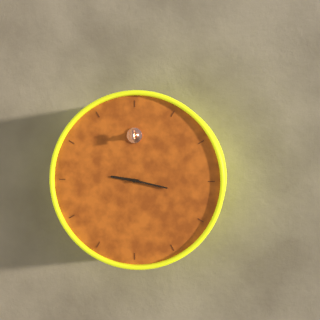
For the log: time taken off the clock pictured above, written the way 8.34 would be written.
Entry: 9.17
